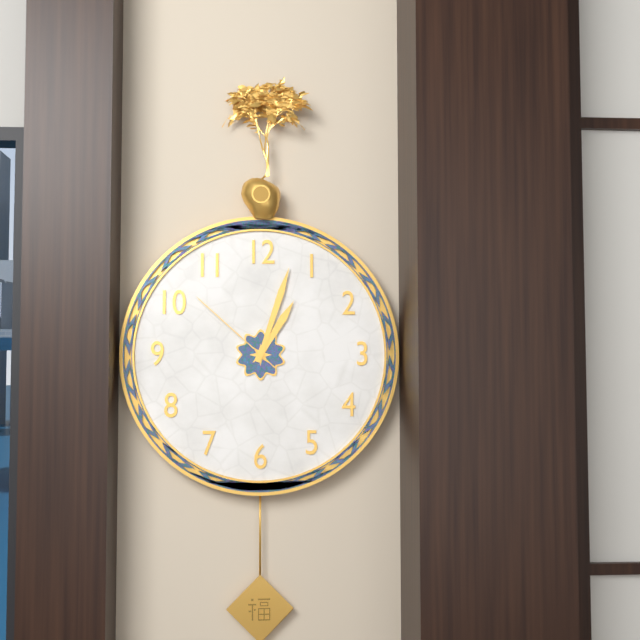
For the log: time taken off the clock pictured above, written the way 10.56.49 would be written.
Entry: 1.03.52
